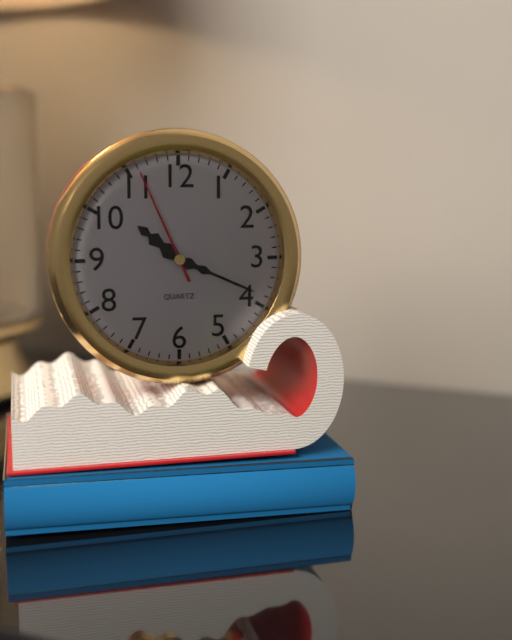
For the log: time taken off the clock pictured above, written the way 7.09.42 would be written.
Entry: 10.19.56
